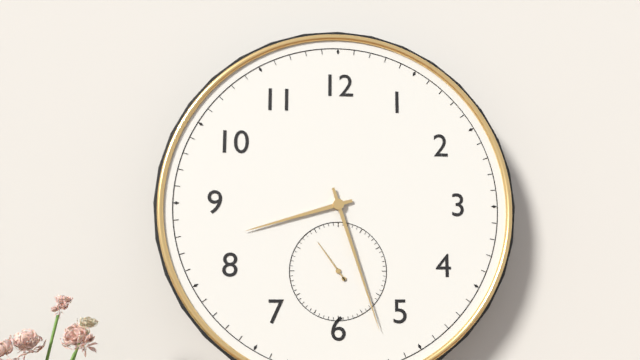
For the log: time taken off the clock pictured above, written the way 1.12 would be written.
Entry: 8.27
